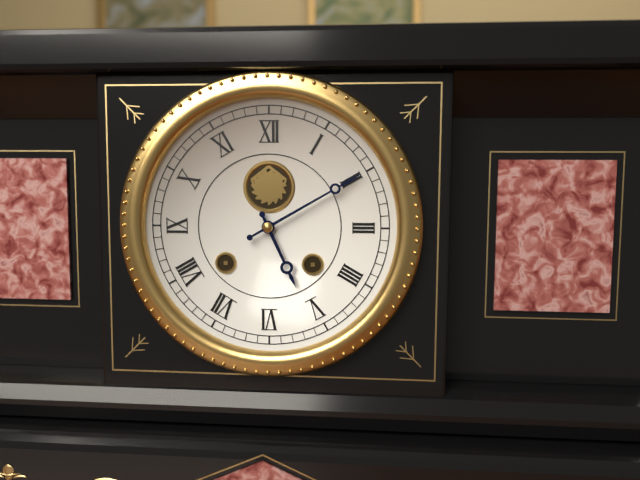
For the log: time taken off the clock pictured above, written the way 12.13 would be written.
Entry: 5.10
